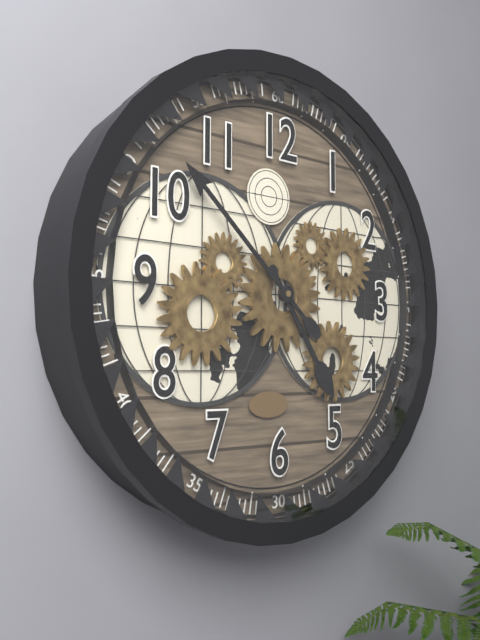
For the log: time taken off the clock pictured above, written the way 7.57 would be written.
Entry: 4.52
